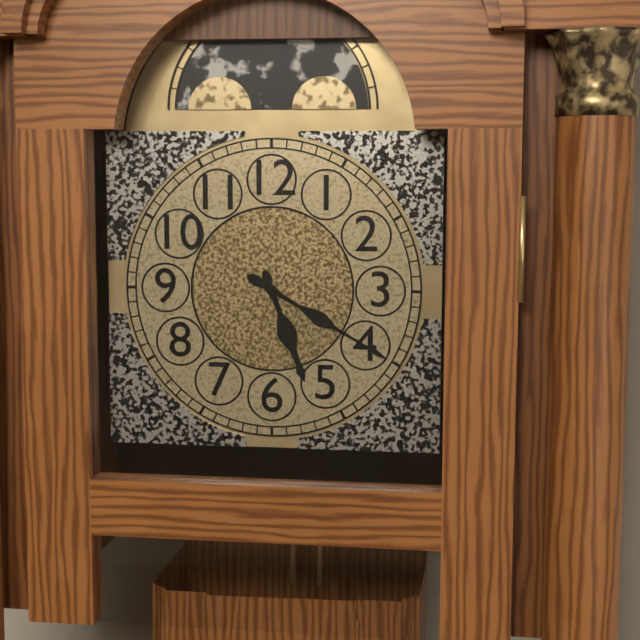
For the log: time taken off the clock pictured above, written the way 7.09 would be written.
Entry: 5.20
